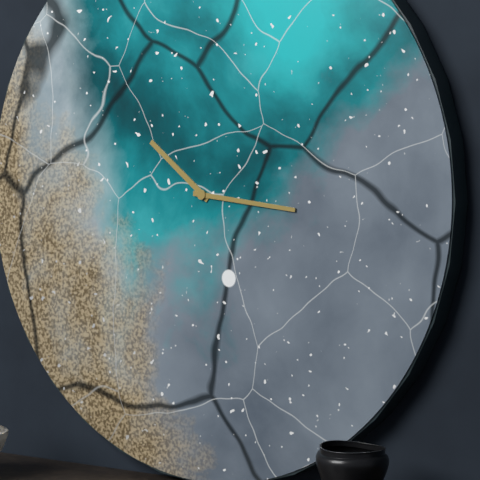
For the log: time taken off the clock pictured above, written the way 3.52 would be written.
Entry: 10.16
